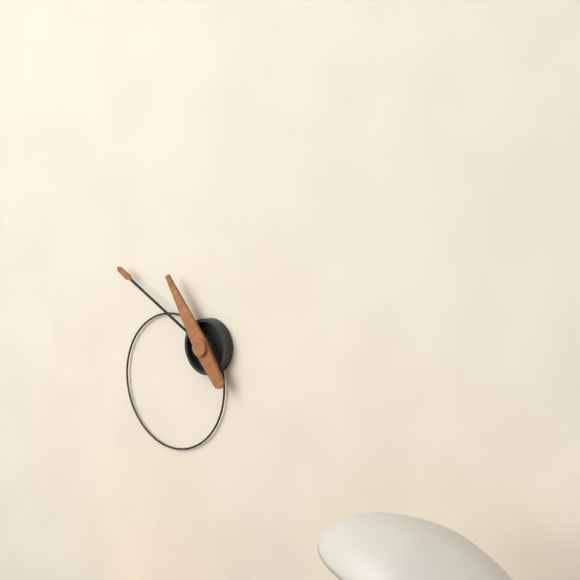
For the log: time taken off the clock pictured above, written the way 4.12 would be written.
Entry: 10.50
